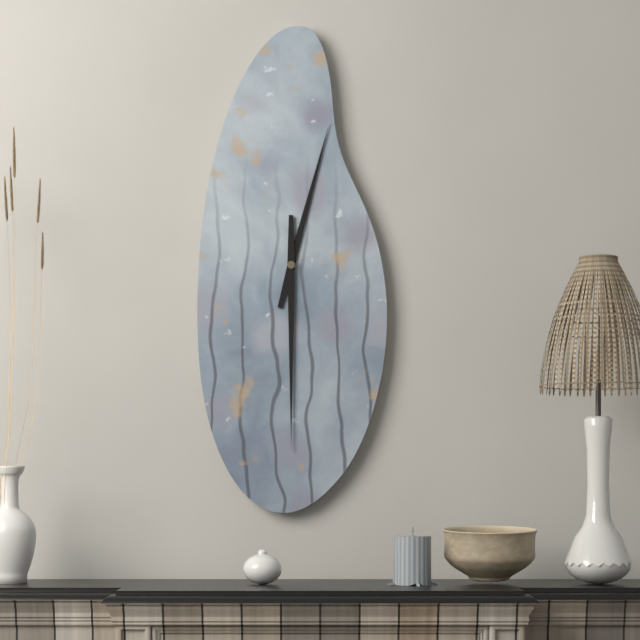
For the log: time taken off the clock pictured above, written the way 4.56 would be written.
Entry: 12.30
